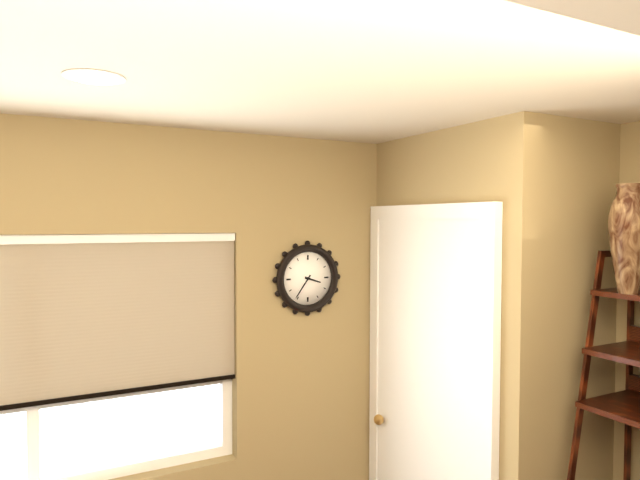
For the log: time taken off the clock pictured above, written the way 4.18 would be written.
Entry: 3.36
